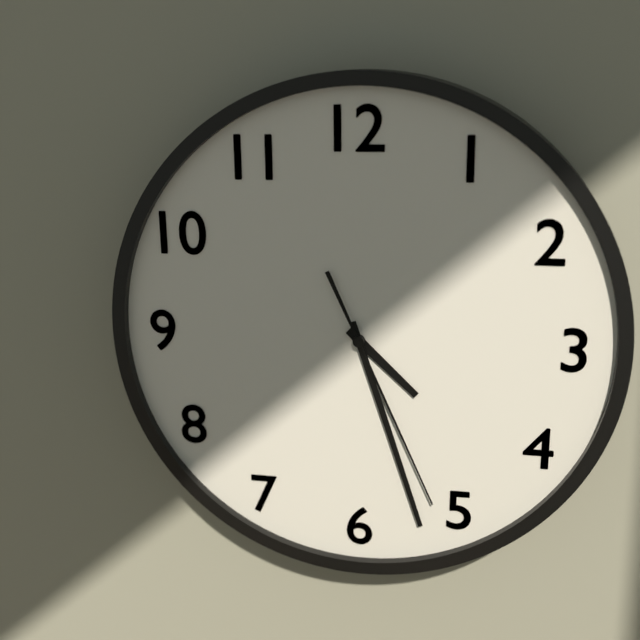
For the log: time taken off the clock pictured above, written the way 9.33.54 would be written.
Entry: 4.27.26
